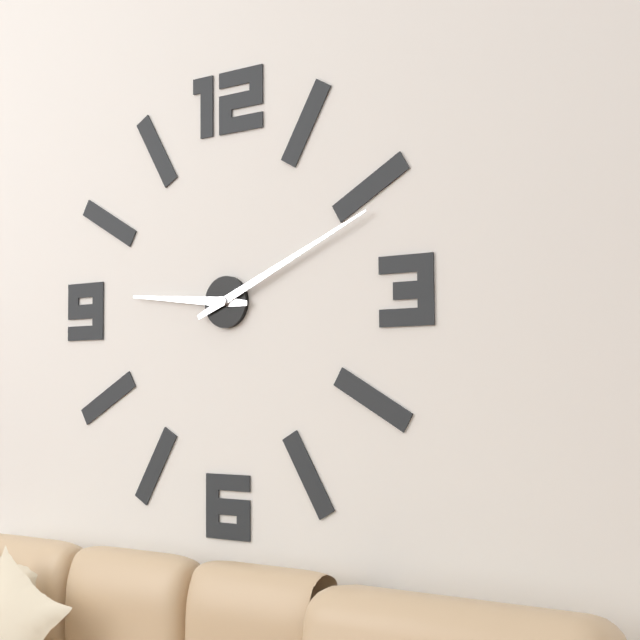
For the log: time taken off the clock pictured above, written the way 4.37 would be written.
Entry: 9.11
